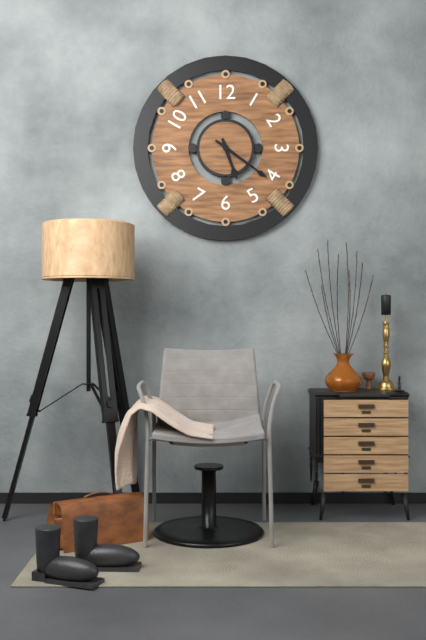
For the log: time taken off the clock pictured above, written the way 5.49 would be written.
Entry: 5.21
